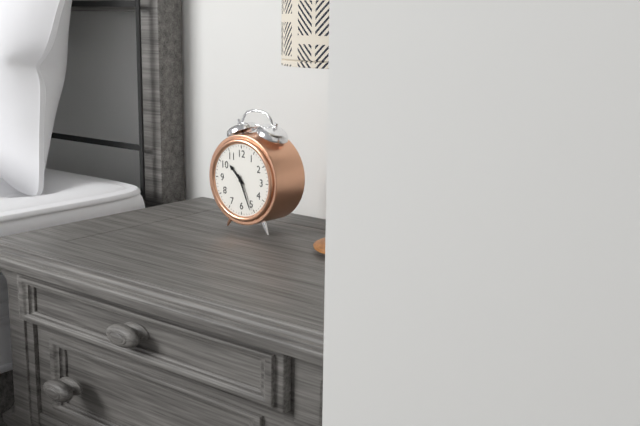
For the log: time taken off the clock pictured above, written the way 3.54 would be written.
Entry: 10.26
